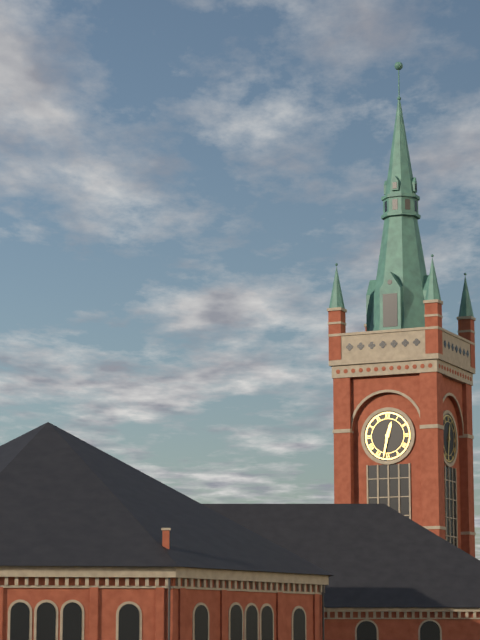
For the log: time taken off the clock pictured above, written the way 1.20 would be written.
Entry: 12.32
